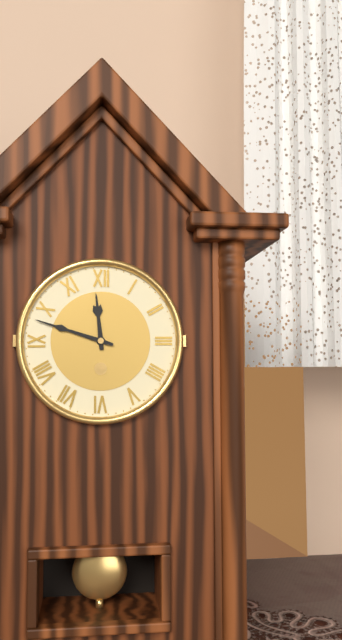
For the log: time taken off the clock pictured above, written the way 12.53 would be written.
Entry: 11.48
